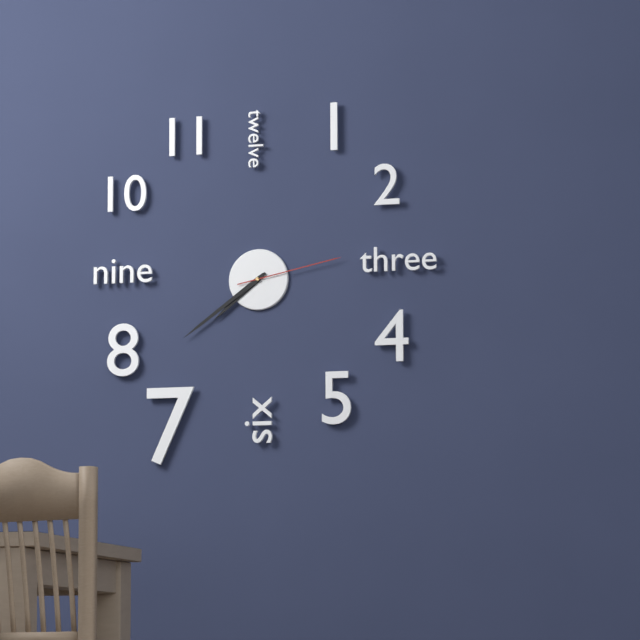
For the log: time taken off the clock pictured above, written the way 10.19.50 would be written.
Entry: 7.39.13
